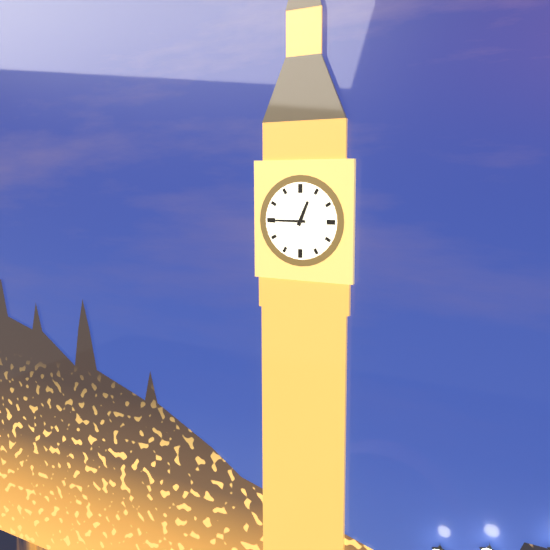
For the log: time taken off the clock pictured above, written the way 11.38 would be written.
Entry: 12.45
